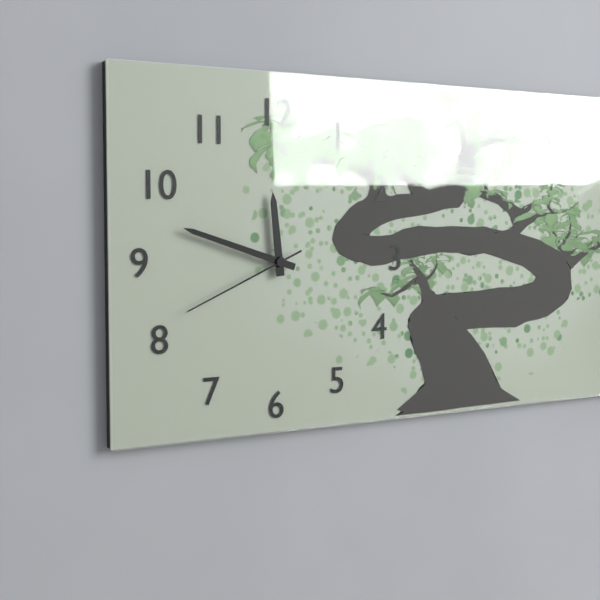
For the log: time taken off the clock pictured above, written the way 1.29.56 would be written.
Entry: 11.48.41
